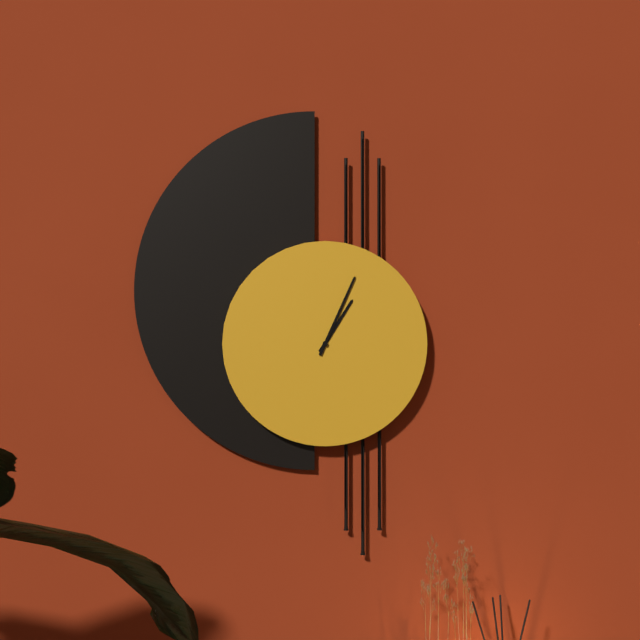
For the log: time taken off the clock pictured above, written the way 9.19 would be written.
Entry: 1.04
